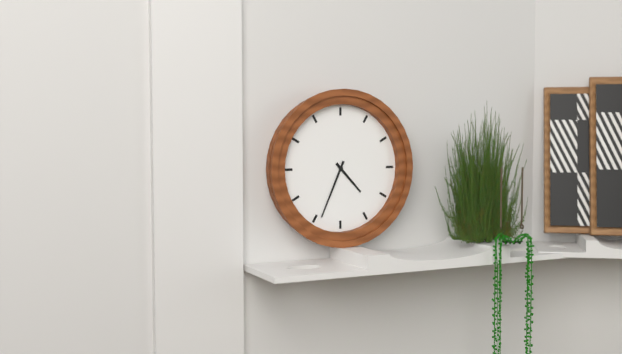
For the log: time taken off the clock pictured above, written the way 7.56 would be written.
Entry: 4.34
